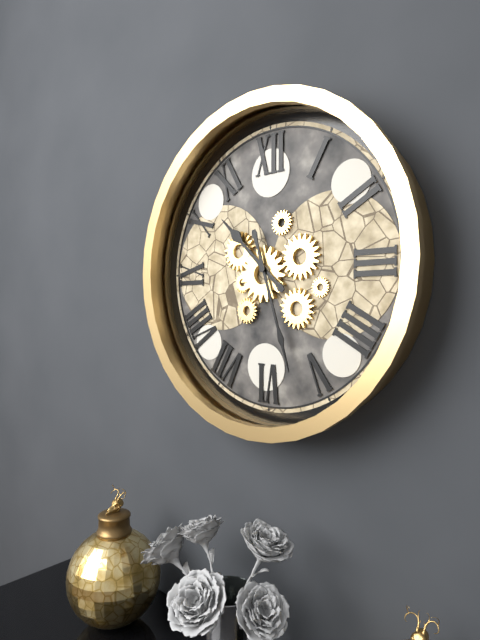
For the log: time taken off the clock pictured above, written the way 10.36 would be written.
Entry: 10.27
